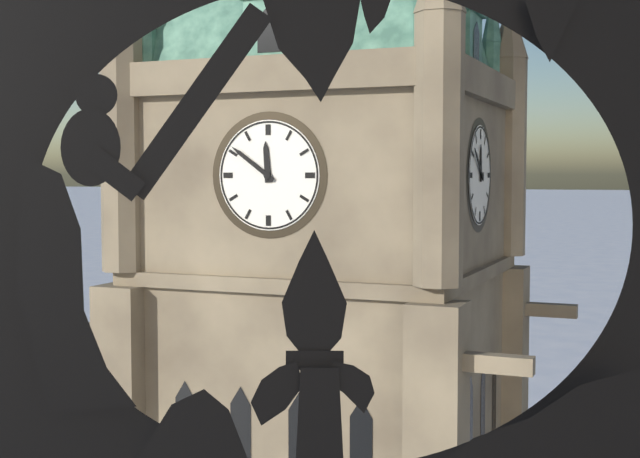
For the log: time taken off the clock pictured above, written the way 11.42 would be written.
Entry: 11.51
